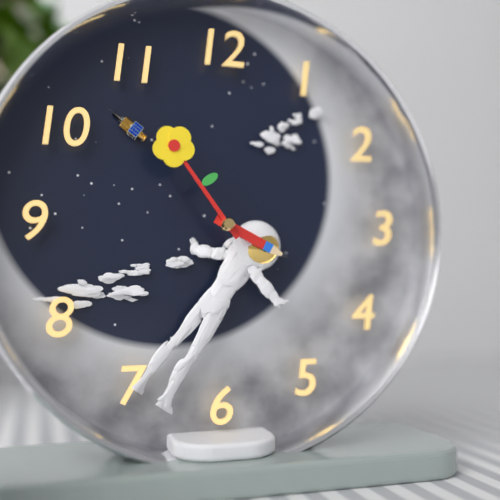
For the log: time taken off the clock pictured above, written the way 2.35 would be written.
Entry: 3.54
